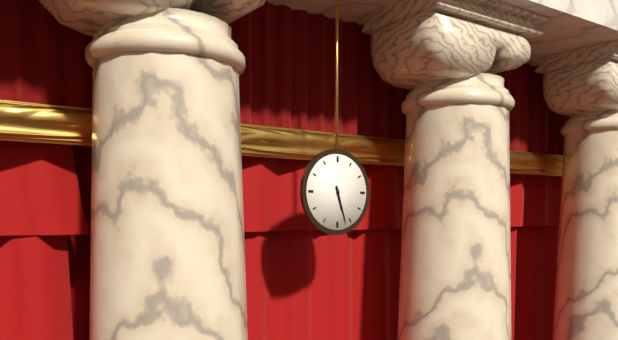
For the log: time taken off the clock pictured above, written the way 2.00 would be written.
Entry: 5.27
